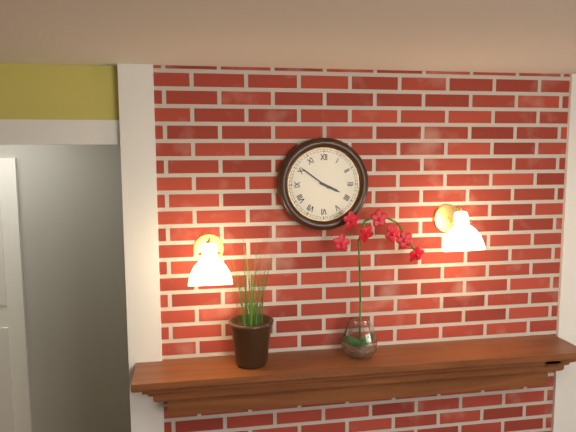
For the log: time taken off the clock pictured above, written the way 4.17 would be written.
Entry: 3.51
